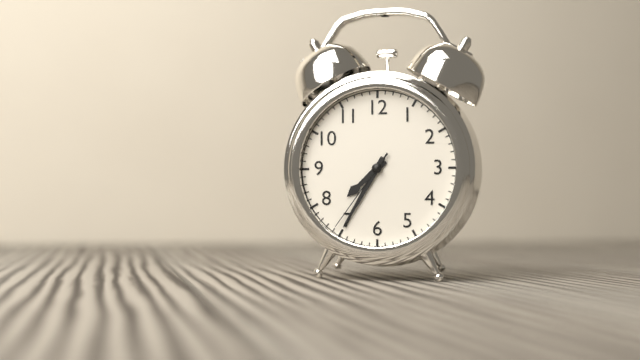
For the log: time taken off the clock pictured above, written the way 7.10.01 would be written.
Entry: 7.35.36
